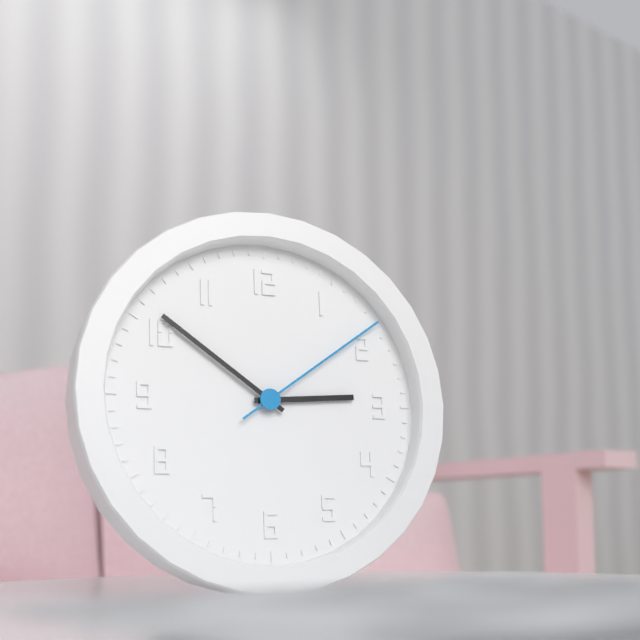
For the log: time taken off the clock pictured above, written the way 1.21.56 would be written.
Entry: 2.51.09
